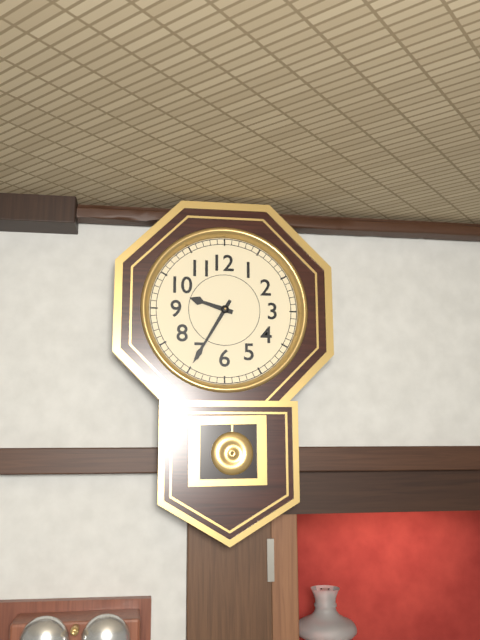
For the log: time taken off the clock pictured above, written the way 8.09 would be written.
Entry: 9.35
